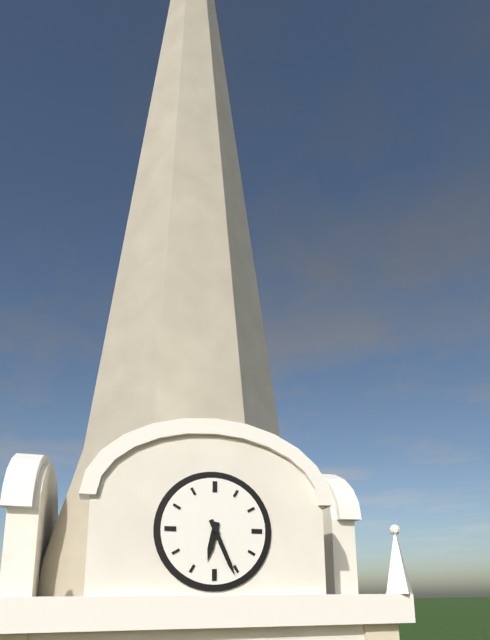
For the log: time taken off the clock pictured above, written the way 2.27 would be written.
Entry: 6.26
